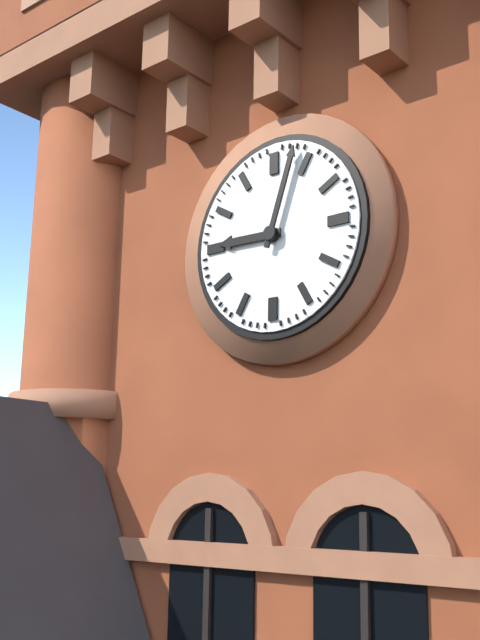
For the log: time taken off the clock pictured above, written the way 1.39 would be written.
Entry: 9.03
